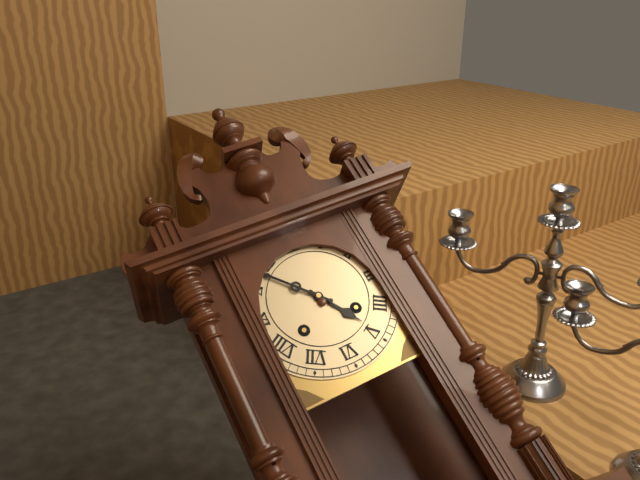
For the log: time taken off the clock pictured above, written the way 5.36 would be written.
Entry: 4.53
